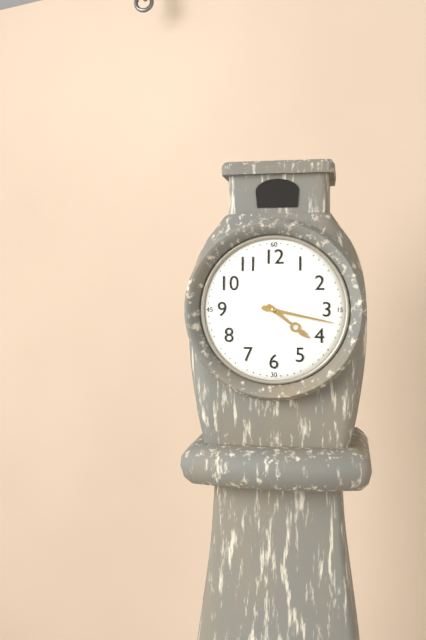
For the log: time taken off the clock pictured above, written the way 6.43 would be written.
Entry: 4.17
